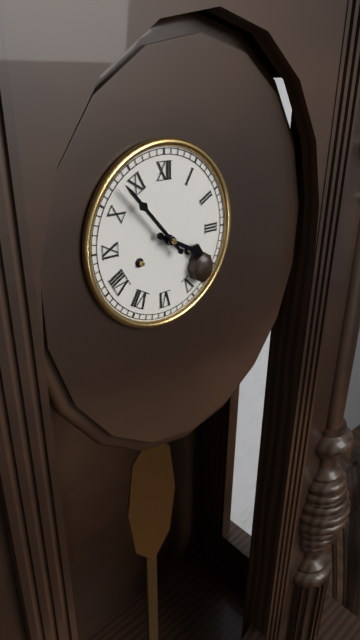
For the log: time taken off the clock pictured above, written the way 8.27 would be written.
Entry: 3.53
